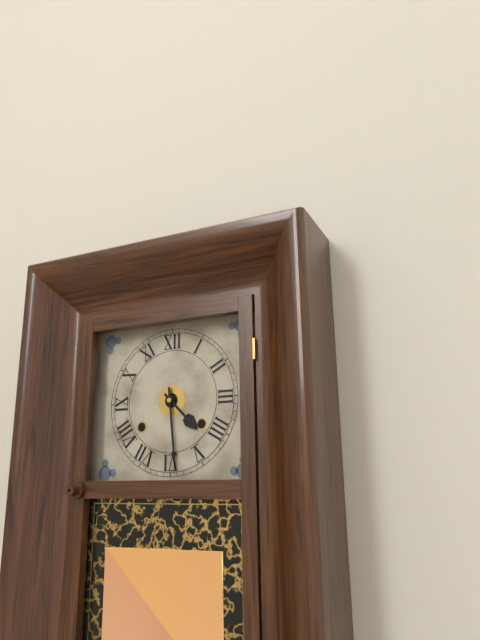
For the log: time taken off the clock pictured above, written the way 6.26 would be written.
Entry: 4.29
